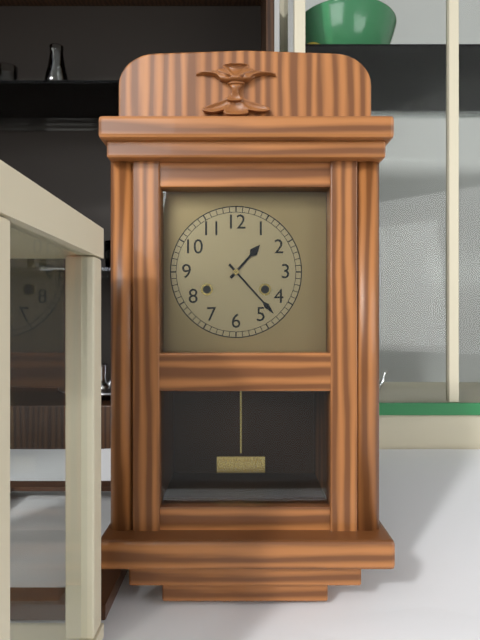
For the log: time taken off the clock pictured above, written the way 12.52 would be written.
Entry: 1.23
